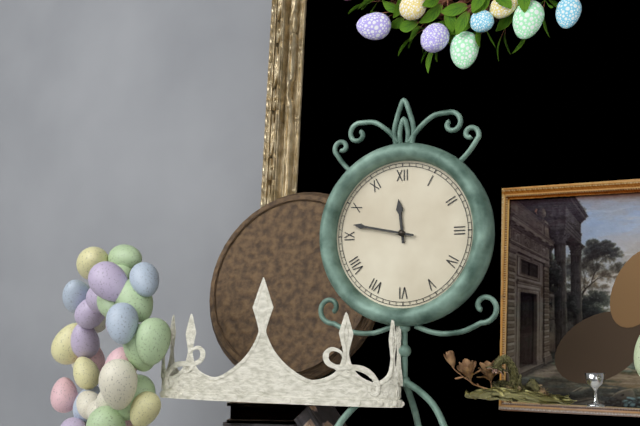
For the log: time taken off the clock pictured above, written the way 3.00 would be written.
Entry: 11.47
